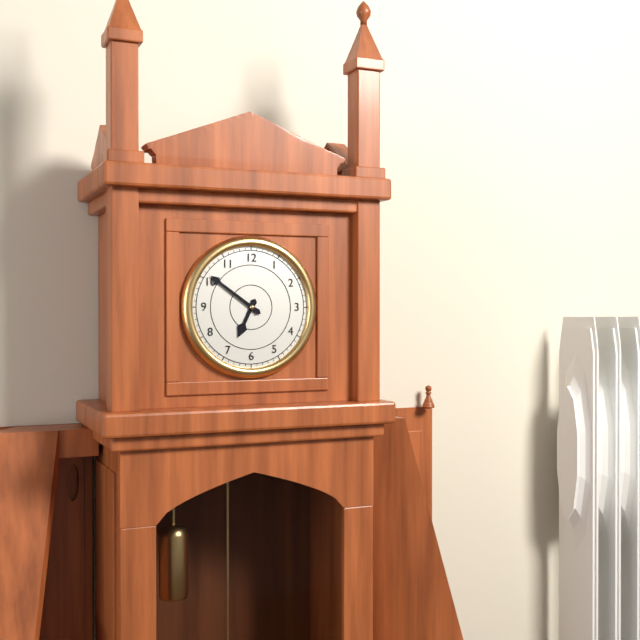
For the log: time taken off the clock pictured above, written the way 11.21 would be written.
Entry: 6.51
